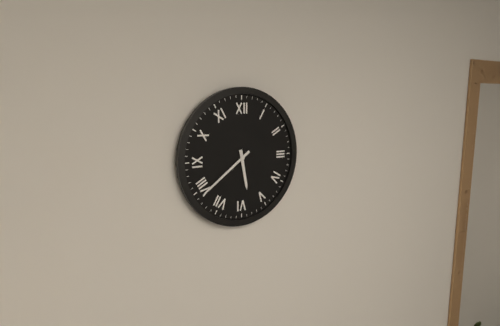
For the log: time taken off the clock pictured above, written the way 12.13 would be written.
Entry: 5.39
